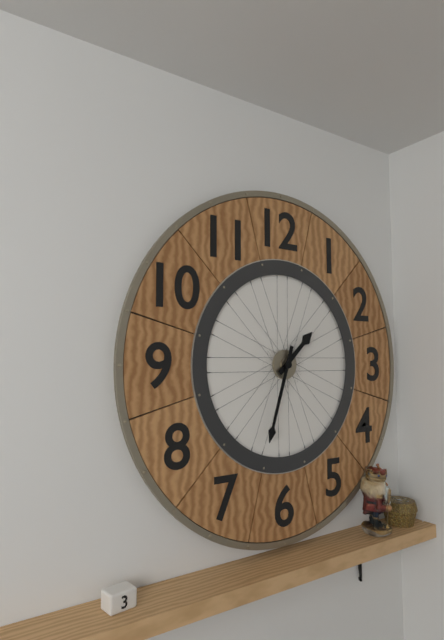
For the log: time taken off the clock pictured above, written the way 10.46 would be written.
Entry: 1.33
